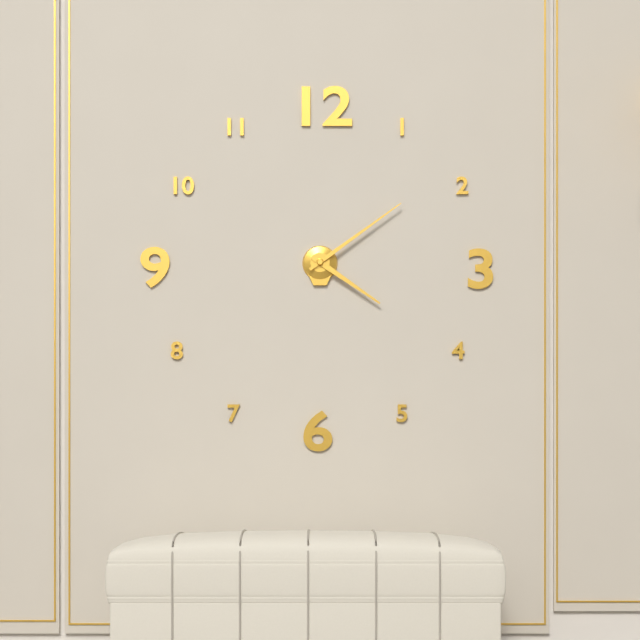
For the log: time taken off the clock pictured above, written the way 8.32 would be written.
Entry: 4.09
